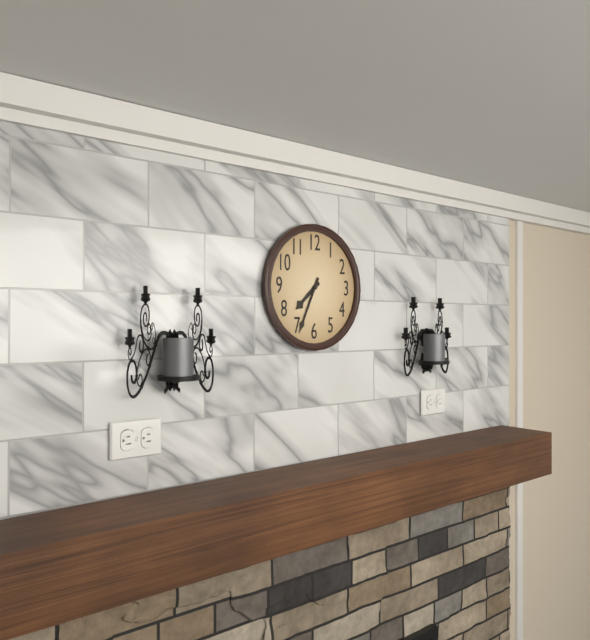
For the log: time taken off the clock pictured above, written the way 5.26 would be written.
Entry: 7.34
